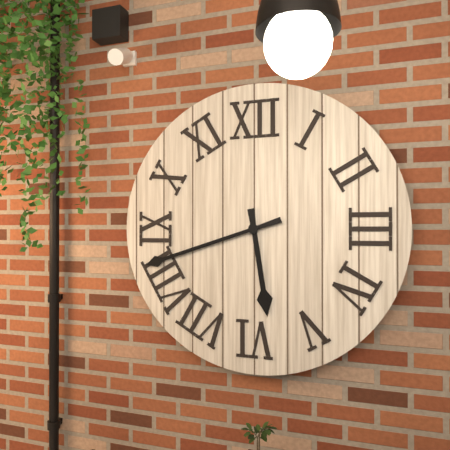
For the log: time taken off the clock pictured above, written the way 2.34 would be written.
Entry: 5.42
